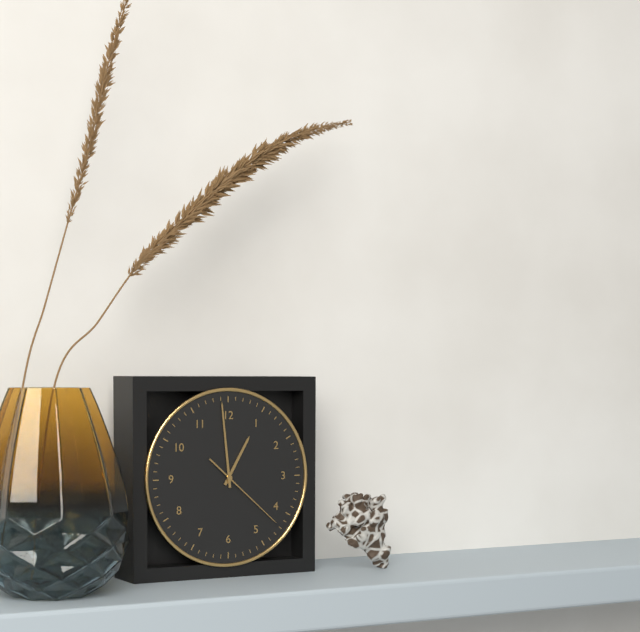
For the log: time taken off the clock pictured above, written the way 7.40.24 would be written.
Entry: 12.59.22
